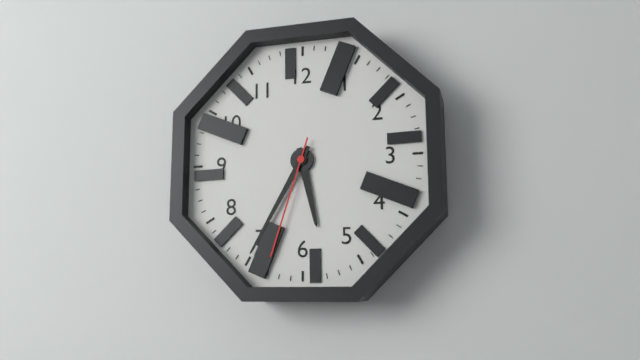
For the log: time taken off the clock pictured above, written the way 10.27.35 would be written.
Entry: 5.35.33
